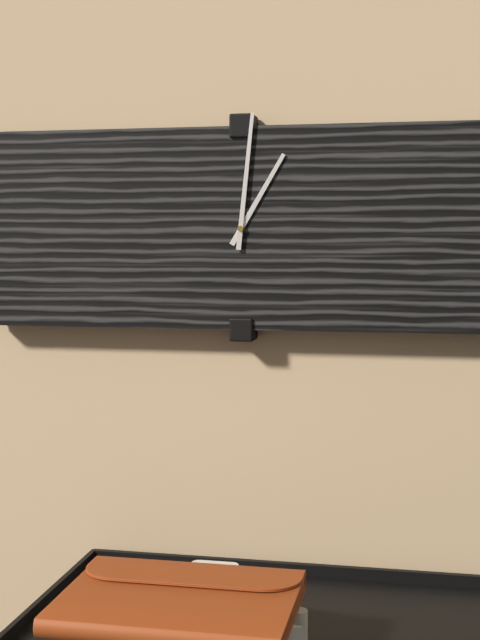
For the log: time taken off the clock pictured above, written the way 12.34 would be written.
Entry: 1.01
